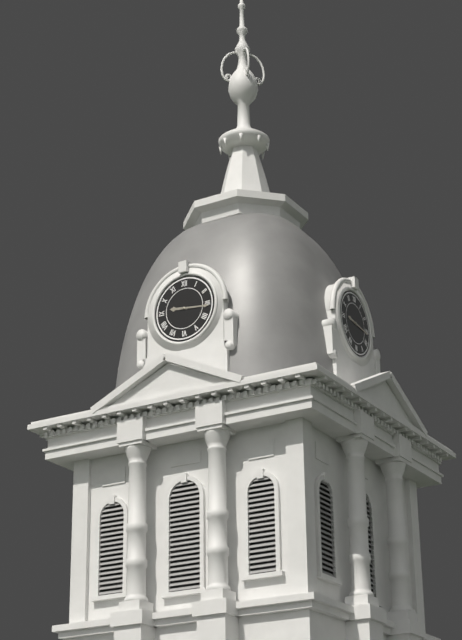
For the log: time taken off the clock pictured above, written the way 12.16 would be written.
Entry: 9.16
